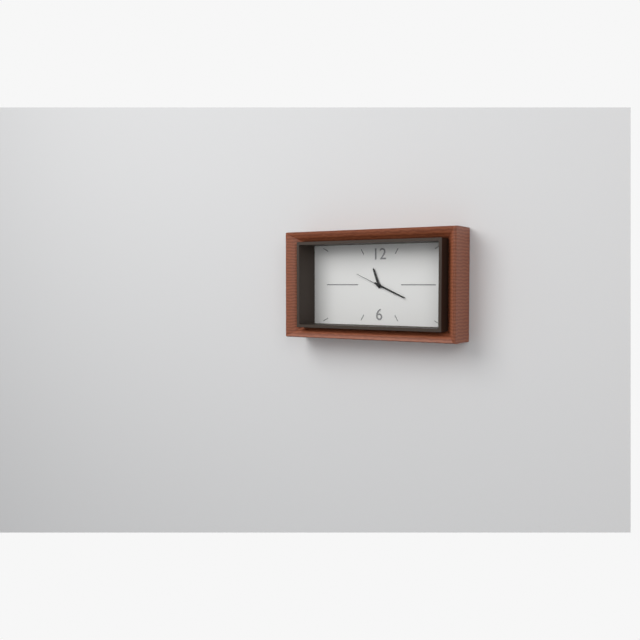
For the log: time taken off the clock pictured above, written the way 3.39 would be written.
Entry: 11.19
